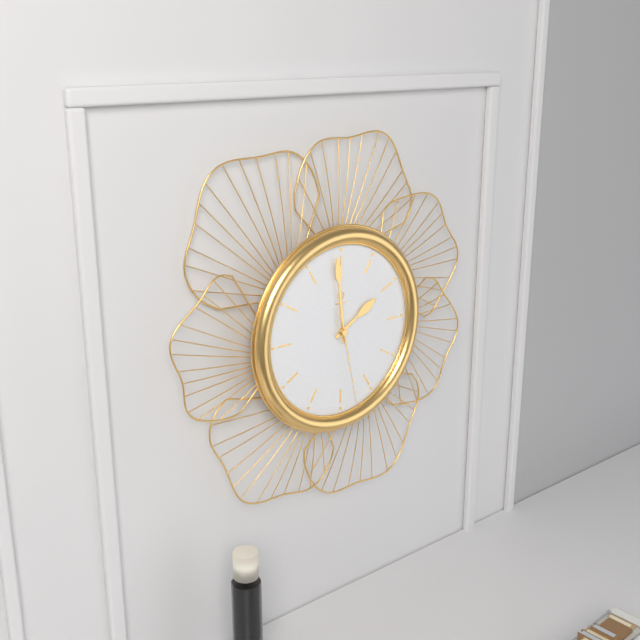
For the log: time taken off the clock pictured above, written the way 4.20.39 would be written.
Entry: 1.59.28
